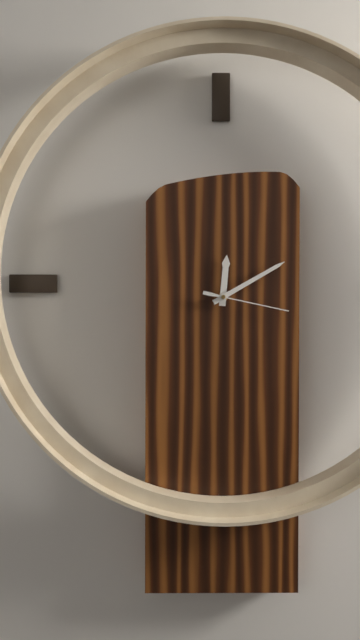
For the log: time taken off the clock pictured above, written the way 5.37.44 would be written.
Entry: 12.10.17
